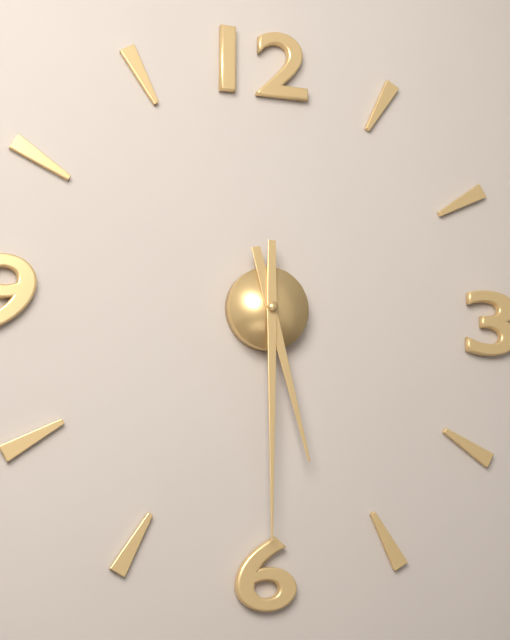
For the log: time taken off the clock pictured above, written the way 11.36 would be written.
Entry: 5.30
